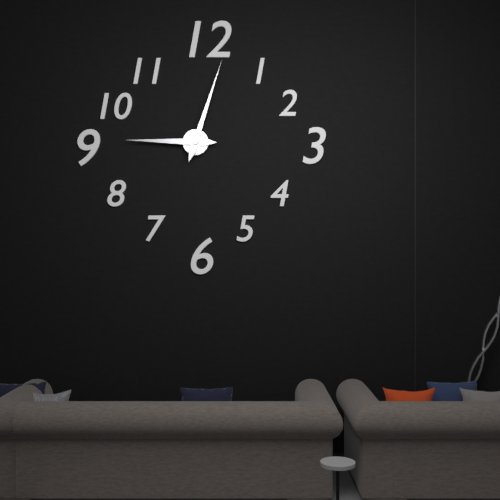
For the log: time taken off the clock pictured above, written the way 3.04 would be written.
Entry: 9.03
